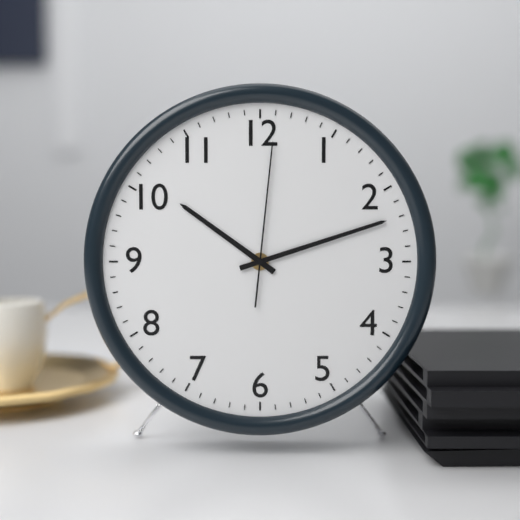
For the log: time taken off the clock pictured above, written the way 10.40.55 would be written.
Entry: 10.12.01
